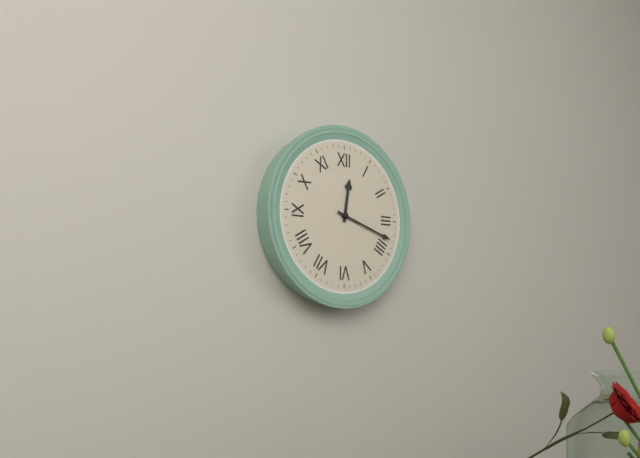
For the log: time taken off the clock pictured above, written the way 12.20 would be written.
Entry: 12.18
